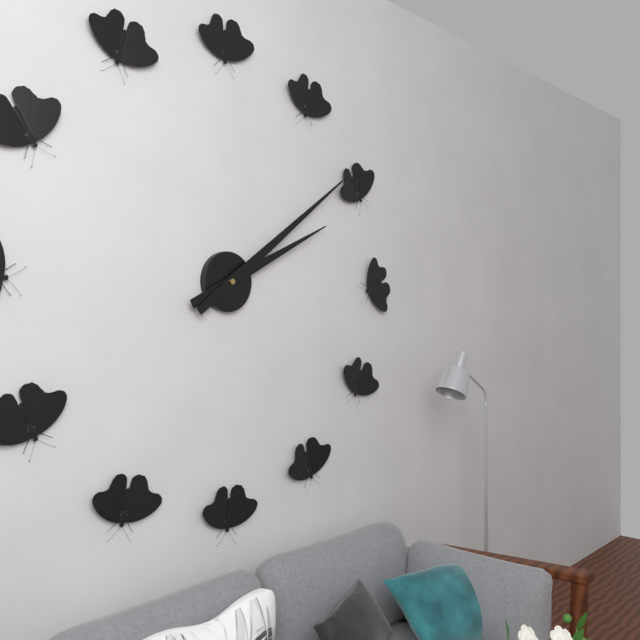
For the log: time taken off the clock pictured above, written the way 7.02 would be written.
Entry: 2.09
